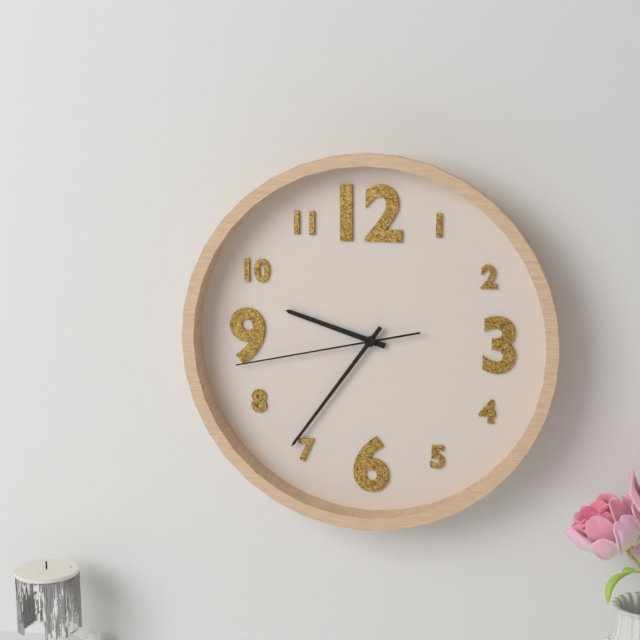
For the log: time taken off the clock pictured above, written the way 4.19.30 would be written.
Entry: 9.36.43
